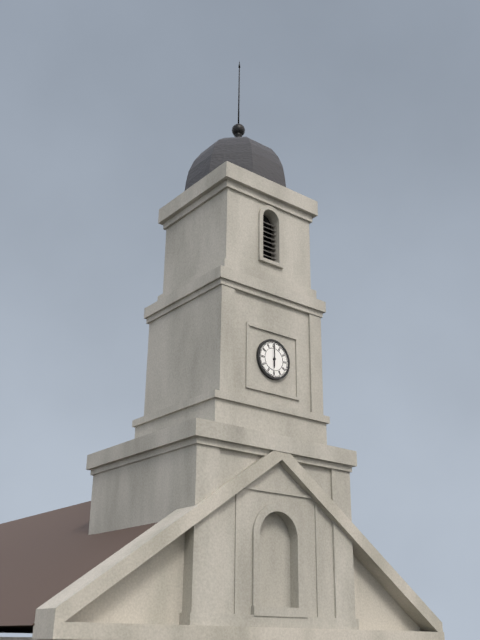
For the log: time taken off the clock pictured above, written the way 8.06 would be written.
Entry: 6.00
